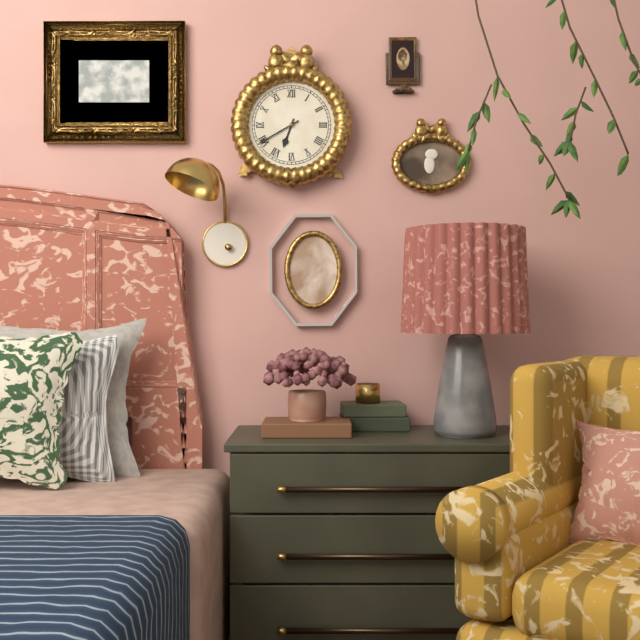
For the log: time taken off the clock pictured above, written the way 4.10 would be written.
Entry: 6.40
